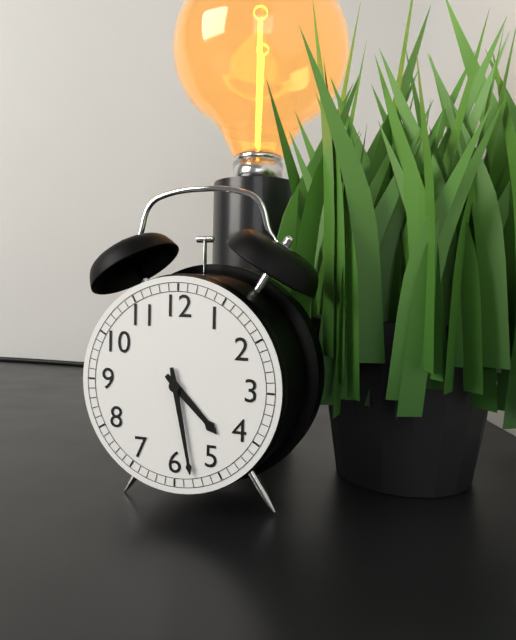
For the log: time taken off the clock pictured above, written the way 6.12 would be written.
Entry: 4.28
